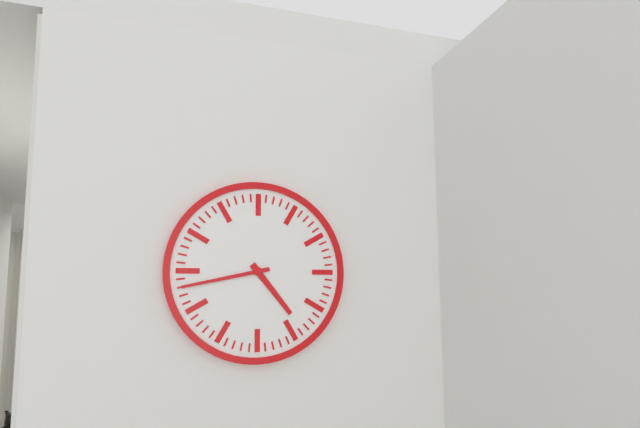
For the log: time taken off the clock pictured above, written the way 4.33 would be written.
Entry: 4.43
